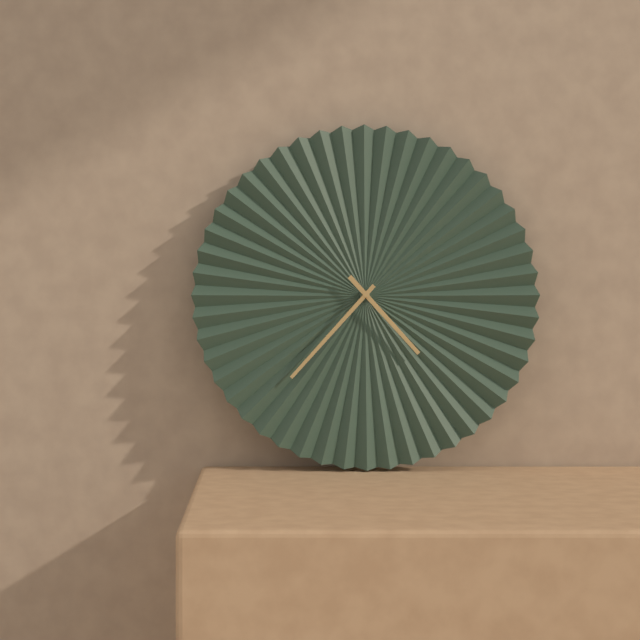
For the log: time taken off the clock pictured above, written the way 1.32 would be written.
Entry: 4.37
